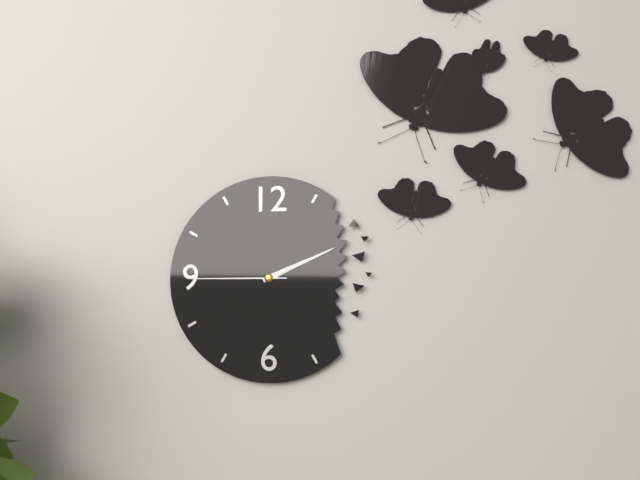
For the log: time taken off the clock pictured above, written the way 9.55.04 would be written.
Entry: 2.11.45
